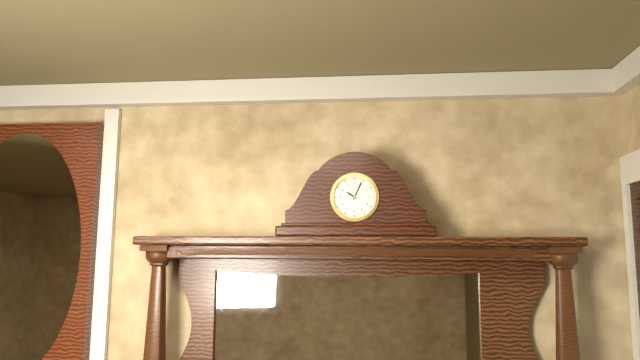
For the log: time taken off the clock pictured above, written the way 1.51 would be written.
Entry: 10.04
